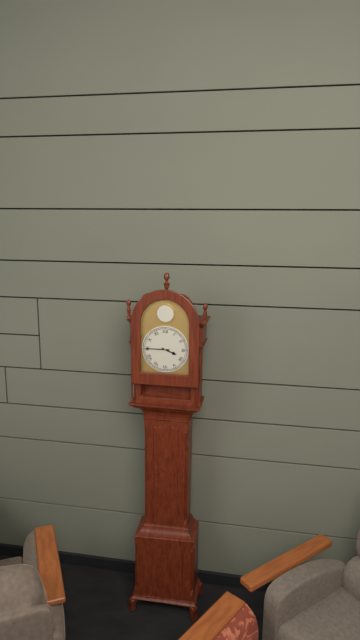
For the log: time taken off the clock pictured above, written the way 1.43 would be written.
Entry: 3.45
